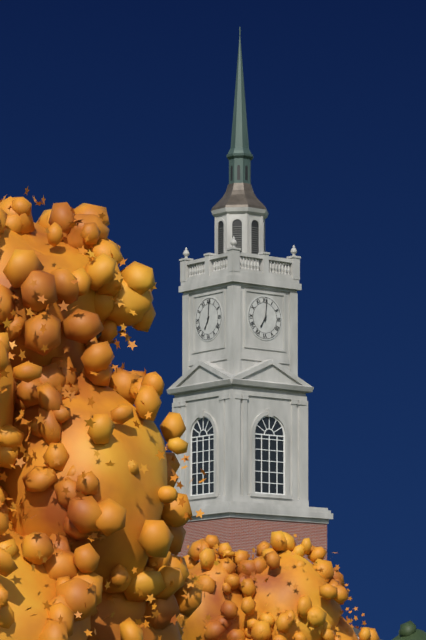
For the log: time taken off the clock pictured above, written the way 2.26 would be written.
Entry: 7.01
